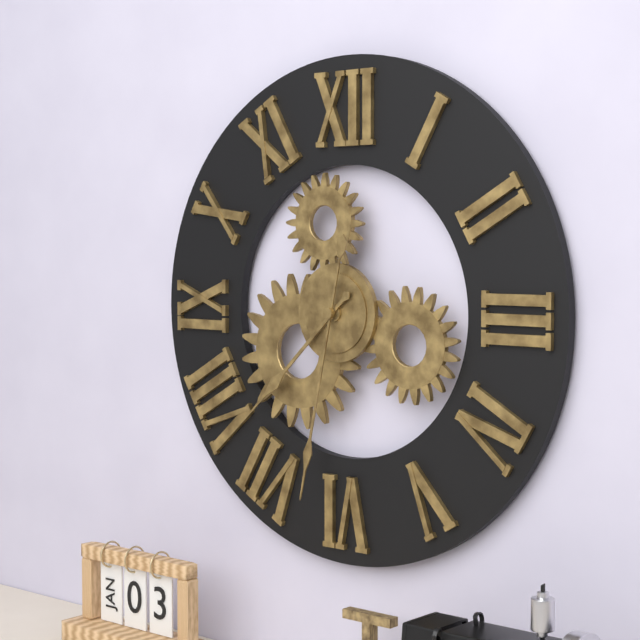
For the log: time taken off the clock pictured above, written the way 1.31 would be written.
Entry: 7.32
